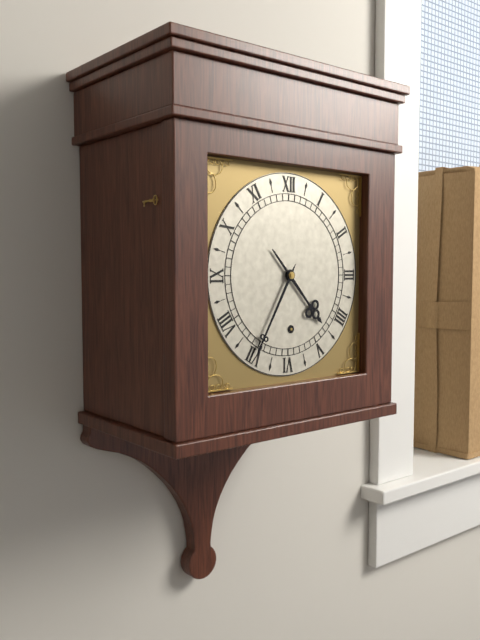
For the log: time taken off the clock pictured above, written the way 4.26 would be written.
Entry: 4.35
